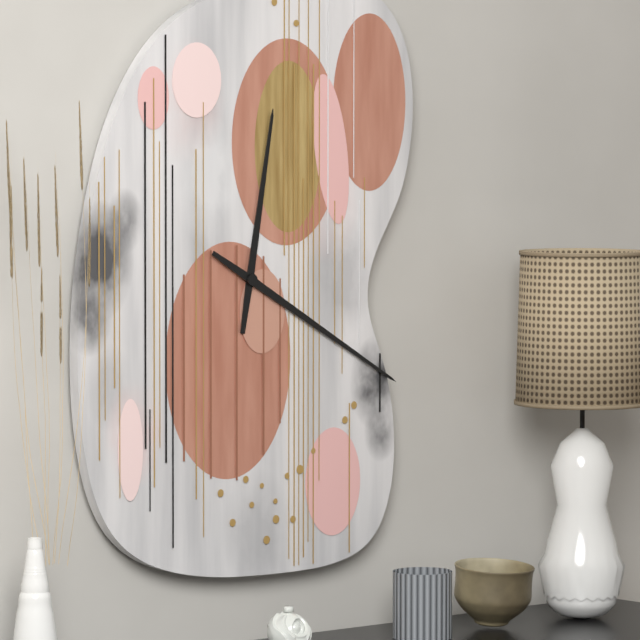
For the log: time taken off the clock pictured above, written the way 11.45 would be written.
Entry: 12.20
